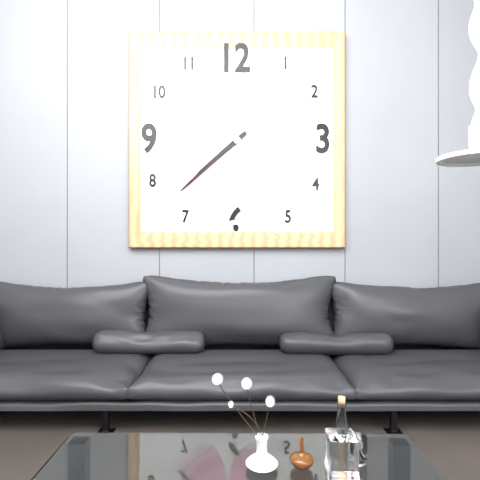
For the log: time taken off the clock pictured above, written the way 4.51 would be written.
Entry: 7.38
